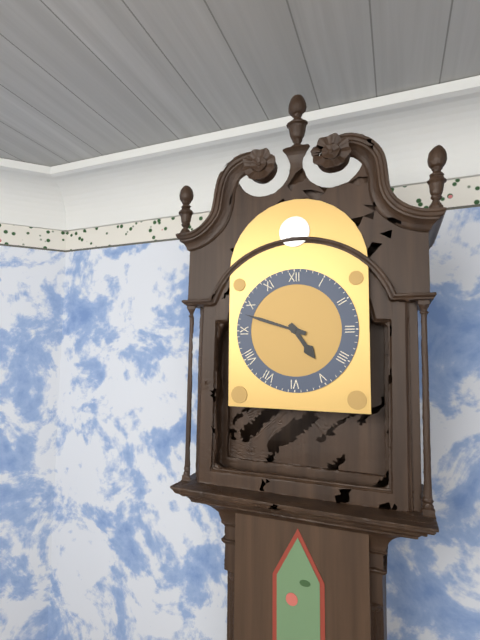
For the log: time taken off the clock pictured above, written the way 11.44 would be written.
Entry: 4.48
